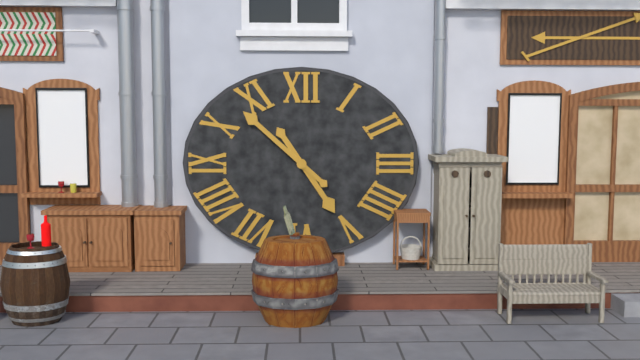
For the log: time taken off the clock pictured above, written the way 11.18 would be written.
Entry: 4.52
